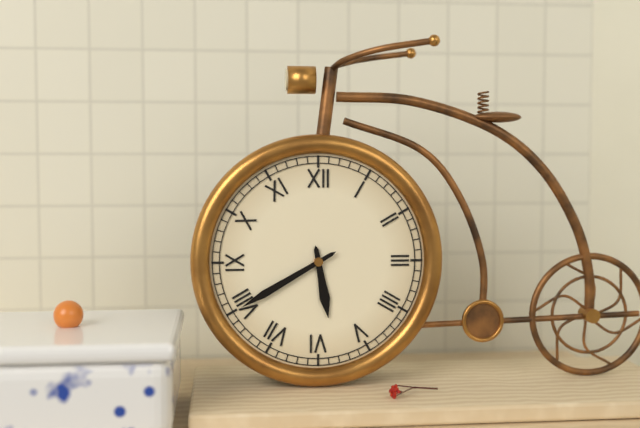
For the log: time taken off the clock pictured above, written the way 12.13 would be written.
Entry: 5.40
